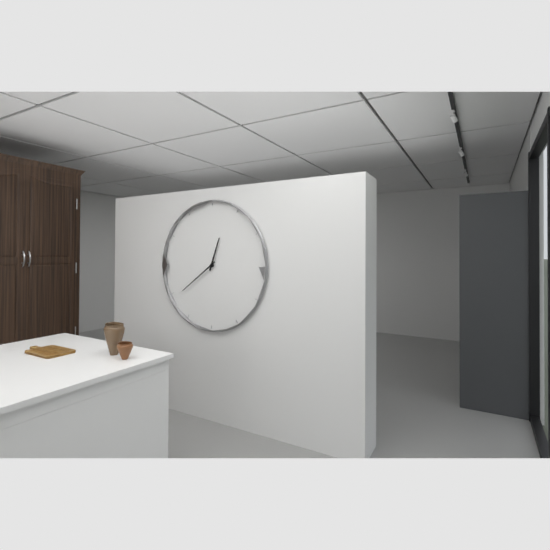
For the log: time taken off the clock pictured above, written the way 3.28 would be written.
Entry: 12.39
